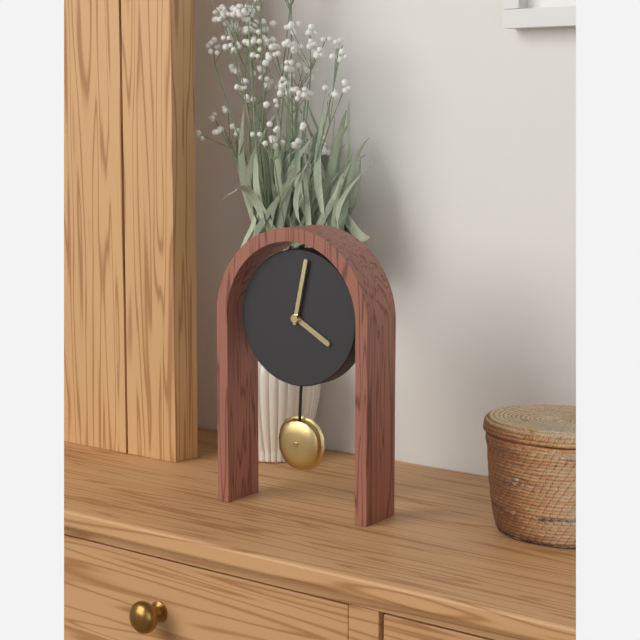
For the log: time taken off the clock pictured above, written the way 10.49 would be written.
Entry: 4.02
